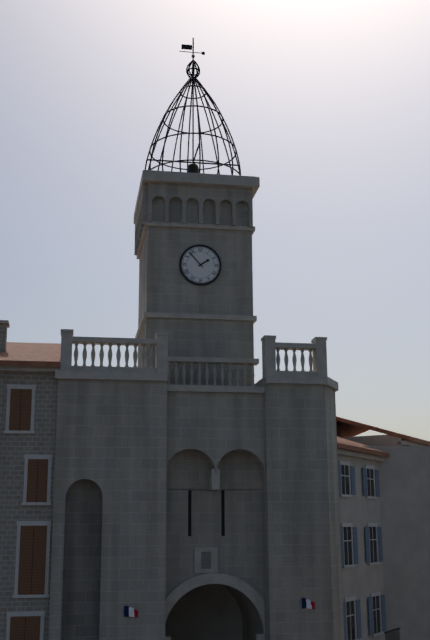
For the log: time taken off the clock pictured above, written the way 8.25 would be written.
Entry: 1.53
